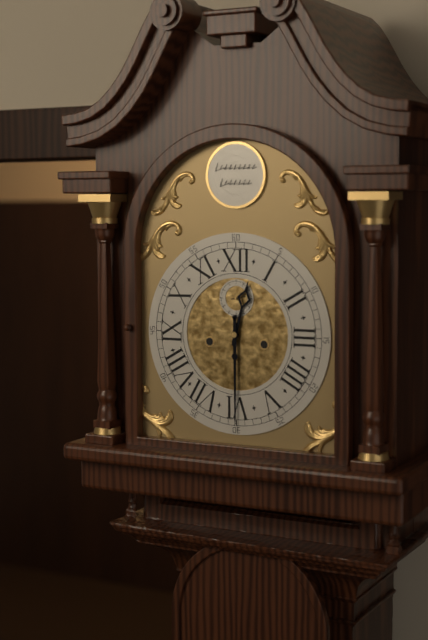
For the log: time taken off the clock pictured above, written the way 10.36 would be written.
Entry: 12.30
